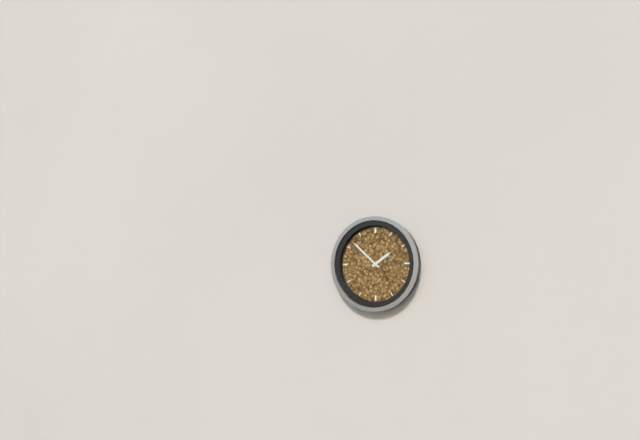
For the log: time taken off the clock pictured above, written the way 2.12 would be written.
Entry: 1.52
